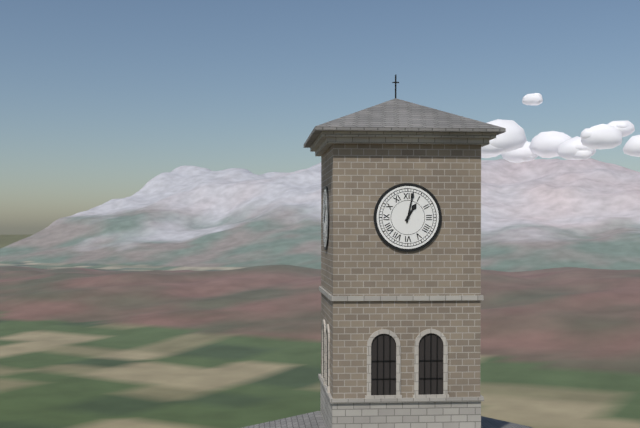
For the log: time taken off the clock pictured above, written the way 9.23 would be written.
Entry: 1.02
